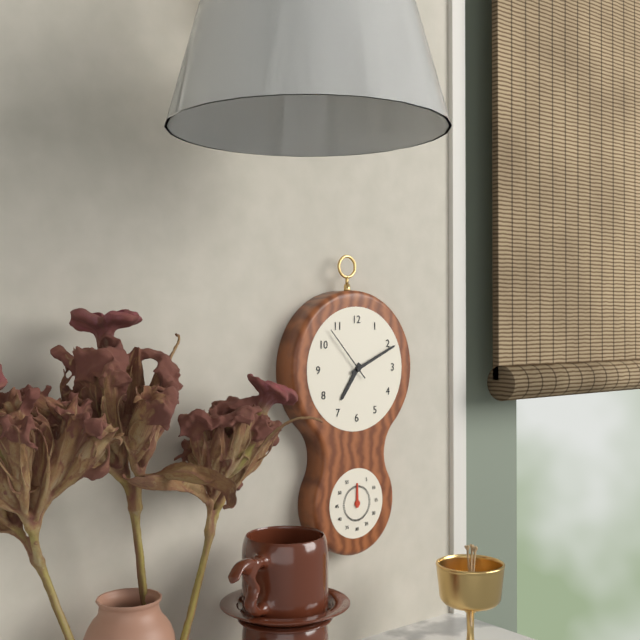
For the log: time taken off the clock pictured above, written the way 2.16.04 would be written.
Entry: 7.11.53
